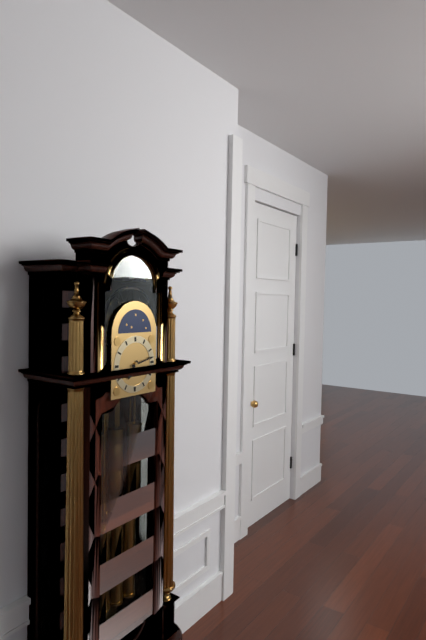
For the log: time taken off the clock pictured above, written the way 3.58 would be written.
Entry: 7.13
